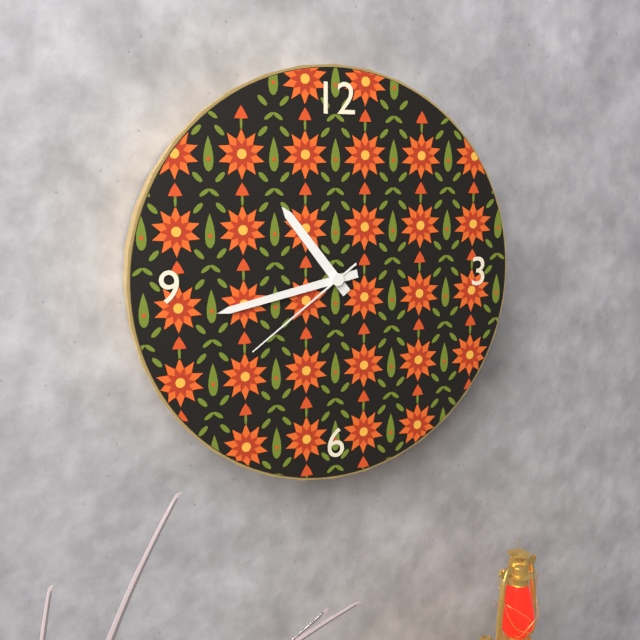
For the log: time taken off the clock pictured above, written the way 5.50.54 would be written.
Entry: 10.43.39
